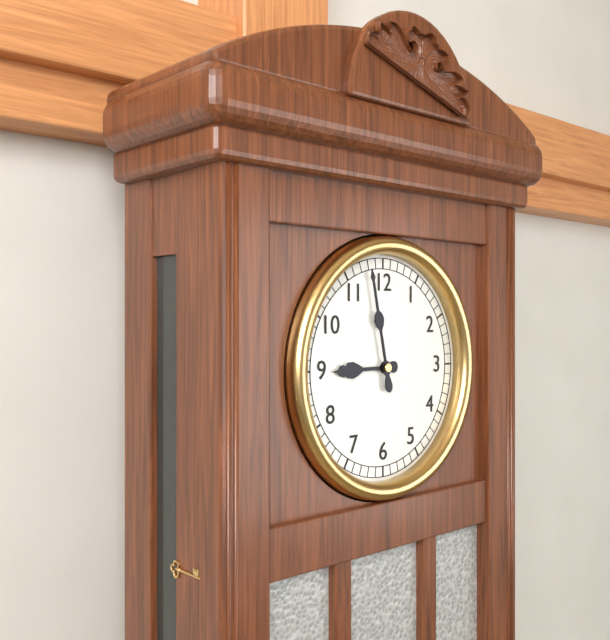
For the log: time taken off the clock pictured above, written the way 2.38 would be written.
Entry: 8.58
